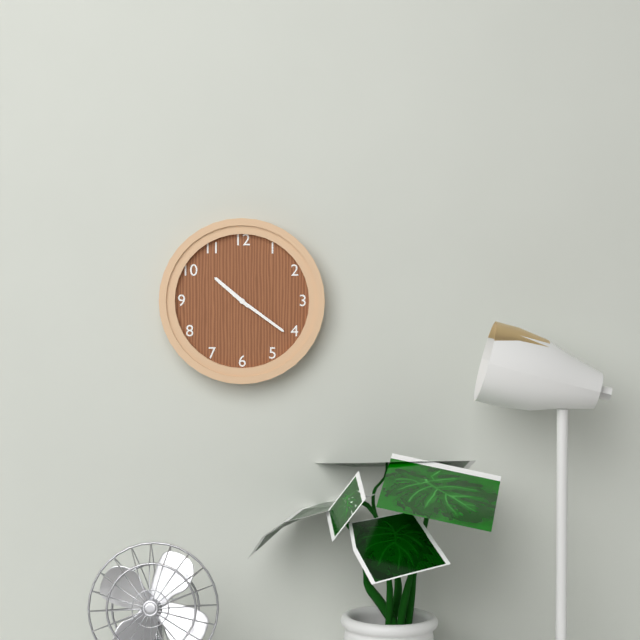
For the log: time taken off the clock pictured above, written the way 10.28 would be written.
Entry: 10.21
